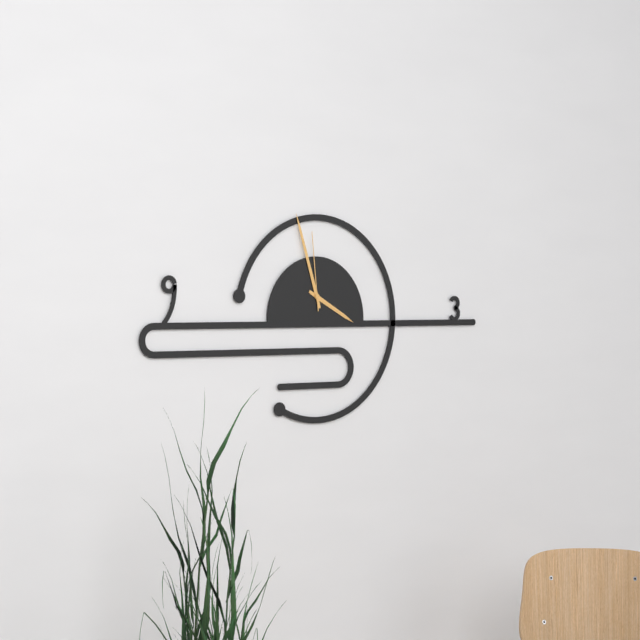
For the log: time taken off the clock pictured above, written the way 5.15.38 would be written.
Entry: 3.57.59
